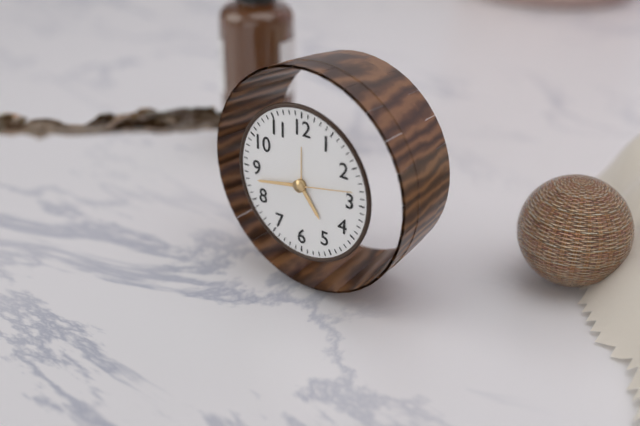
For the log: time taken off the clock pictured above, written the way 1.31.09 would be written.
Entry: 4.43.13
